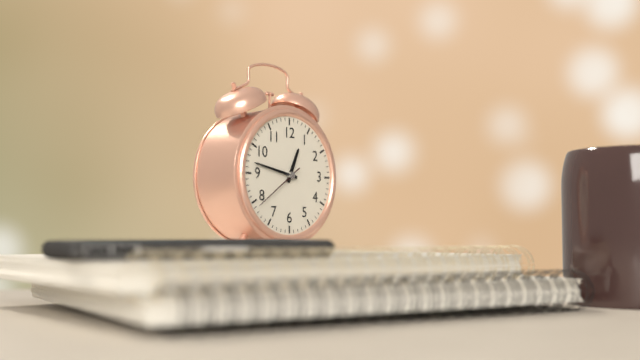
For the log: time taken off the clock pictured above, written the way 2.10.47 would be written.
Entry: 12.47.39
